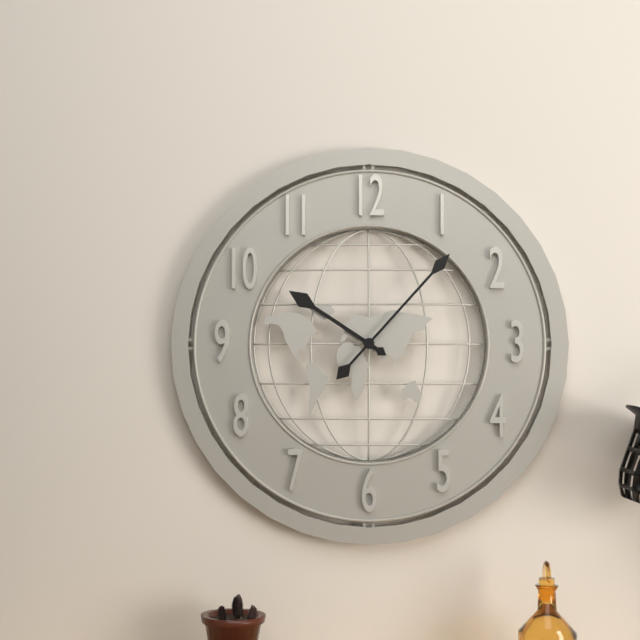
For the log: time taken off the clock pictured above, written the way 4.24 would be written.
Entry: 10.07
